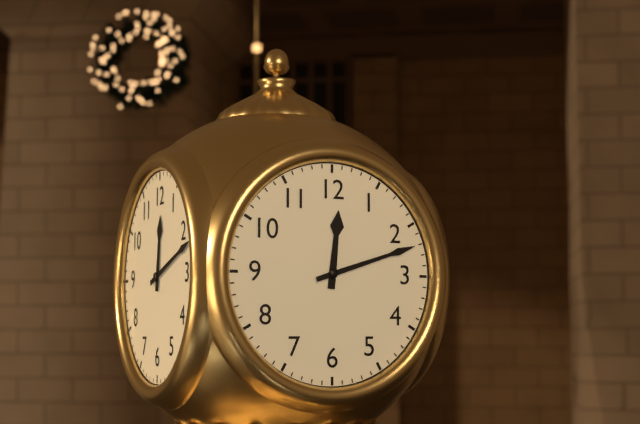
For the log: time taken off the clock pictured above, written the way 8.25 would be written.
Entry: 12.12
